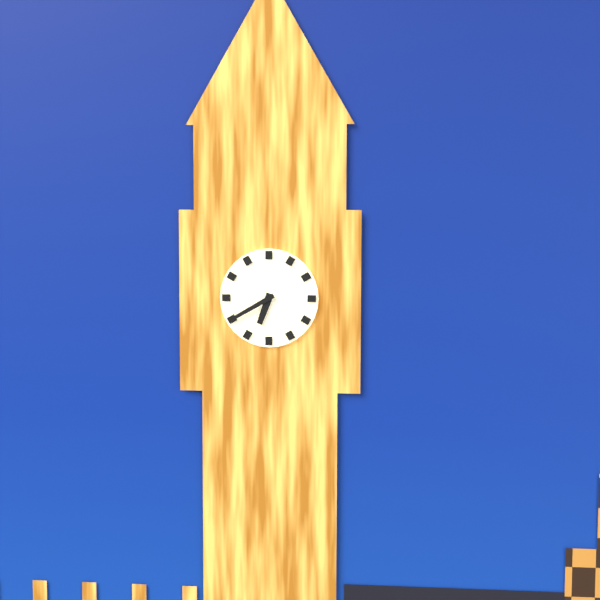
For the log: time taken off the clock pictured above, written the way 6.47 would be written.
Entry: 6.40
